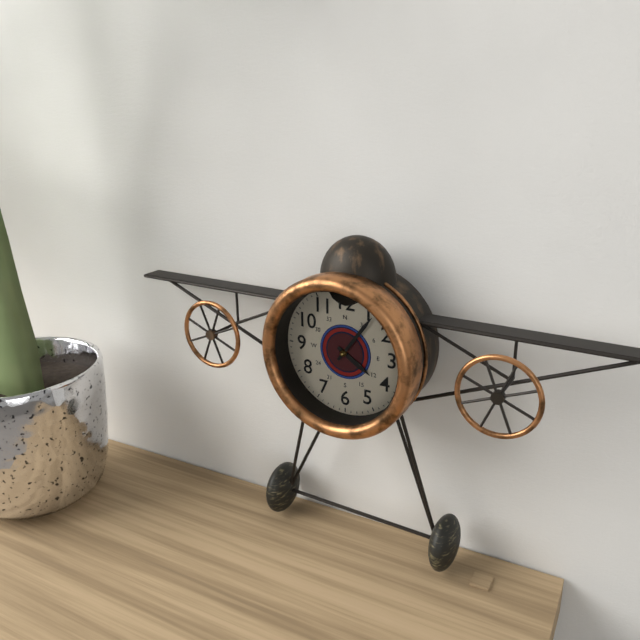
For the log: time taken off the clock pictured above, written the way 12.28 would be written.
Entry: 4.06
